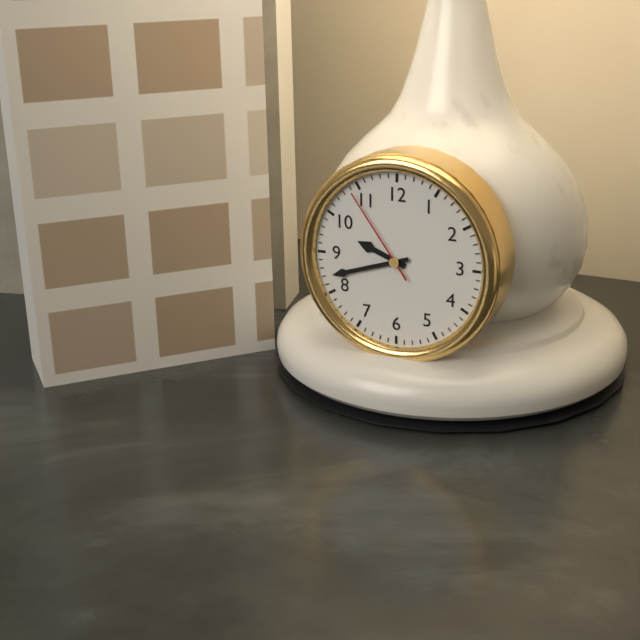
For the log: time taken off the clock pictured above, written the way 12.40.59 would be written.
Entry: 9.42.54
